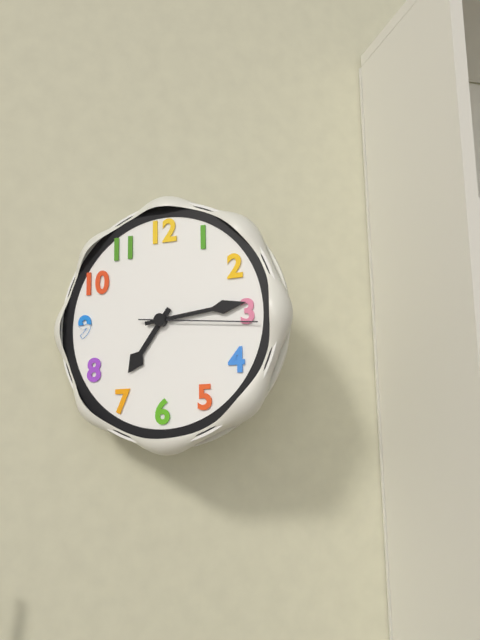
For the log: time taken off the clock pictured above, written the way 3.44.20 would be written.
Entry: 7.14.16
